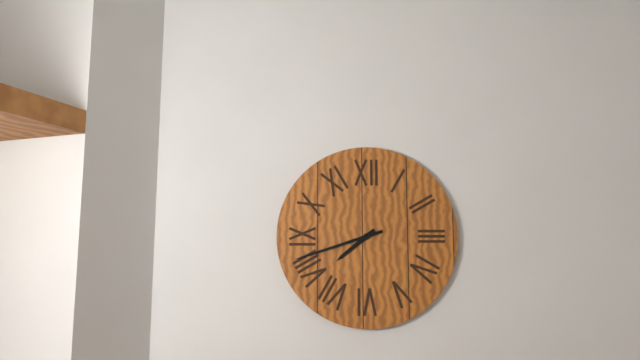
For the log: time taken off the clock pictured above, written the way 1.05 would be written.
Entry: 7.42
